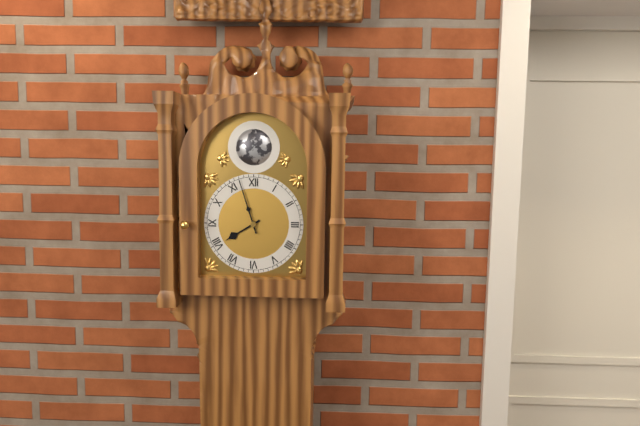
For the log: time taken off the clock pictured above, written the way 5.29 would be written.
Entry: 7.57
